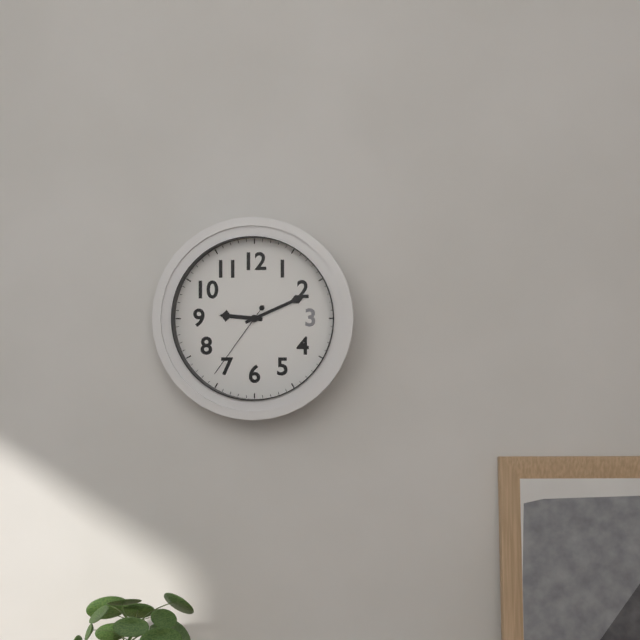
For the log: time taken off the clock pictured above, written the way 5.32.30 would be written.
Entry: 9.11.36
